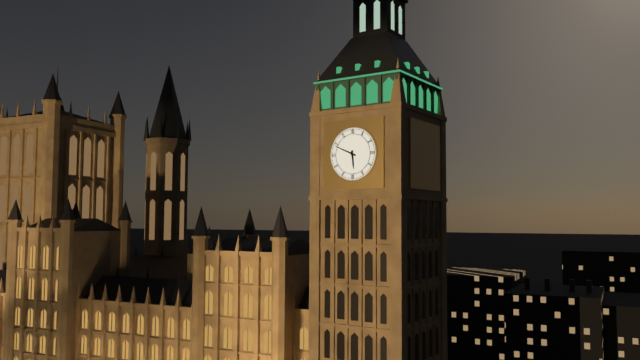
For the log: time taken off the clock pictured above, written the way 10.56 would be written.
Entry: 5.49
